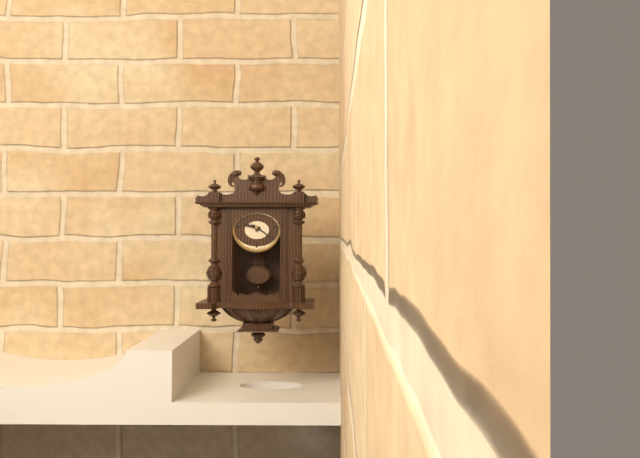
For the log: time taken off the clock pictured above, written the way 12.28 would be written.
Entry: 9.21
